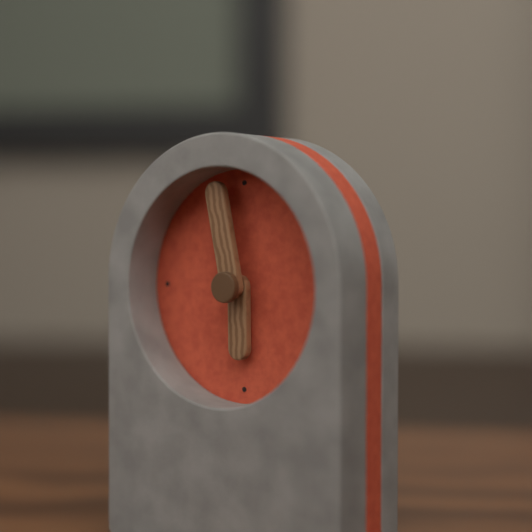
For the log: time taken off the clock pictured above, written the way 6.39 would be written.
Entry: 5.58
